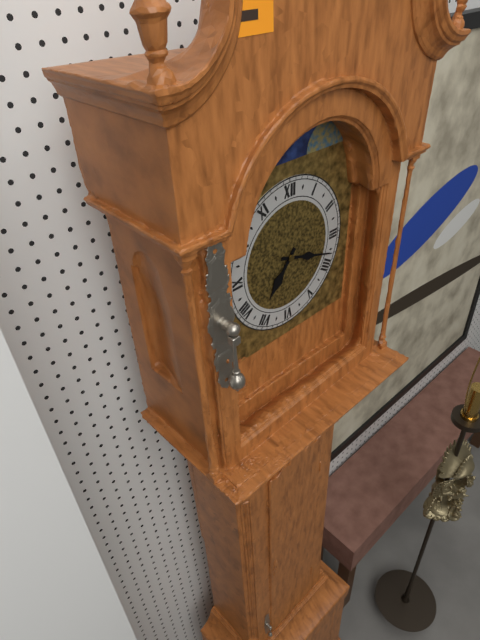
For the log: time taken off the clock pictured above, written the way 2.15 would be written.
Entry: 7.18
